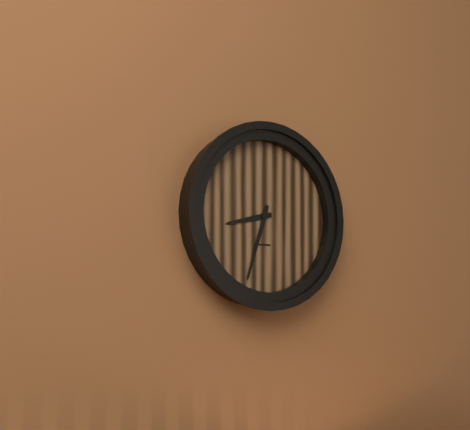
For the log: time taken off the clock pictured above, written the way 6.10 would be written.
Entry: 8.33
